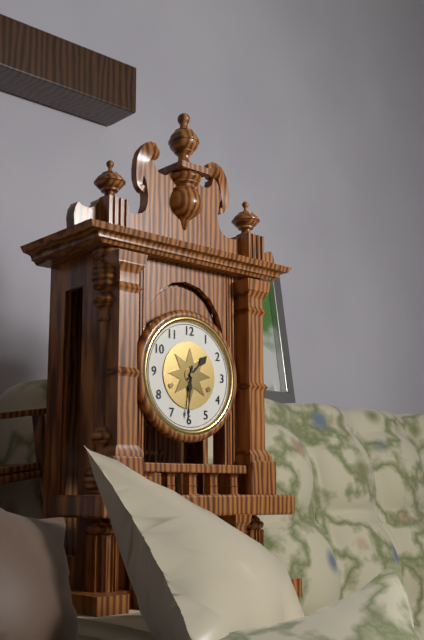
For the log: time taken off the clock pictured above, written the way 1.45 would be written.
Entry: 1.31
